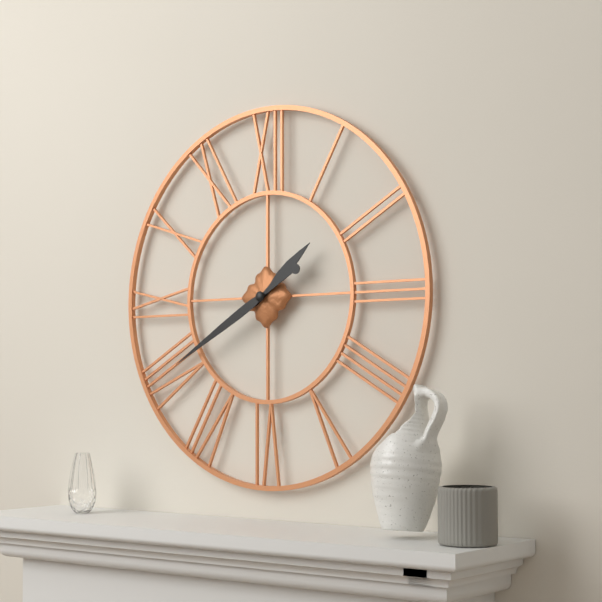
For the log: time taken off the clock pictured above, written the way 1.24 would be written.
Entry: 1.40
